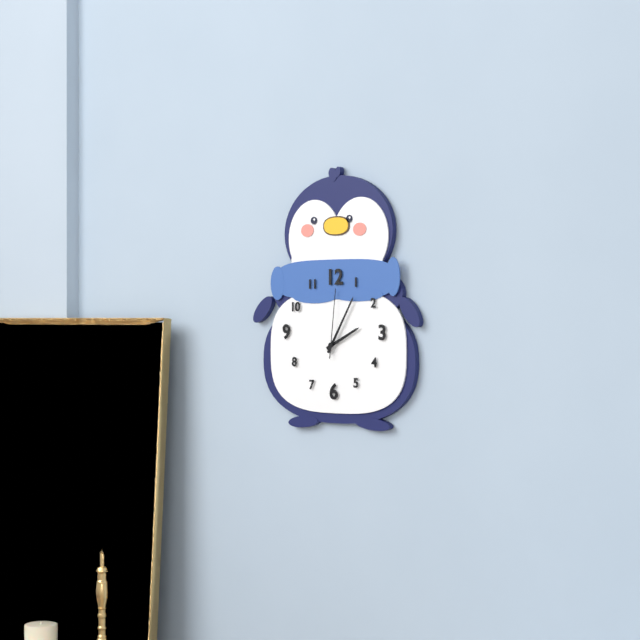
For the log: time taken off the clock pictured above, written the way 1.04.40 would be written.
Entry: 2.05.01
